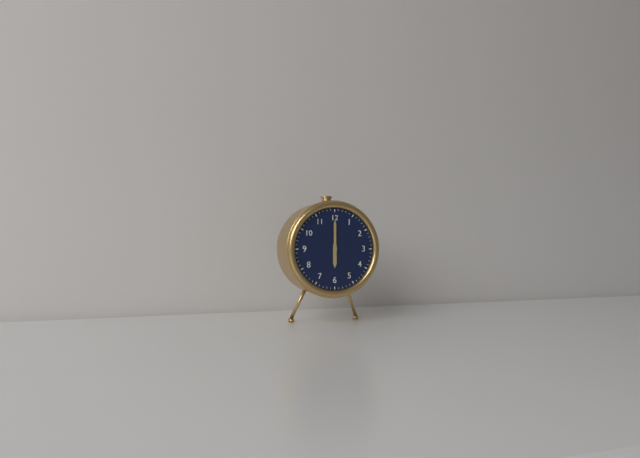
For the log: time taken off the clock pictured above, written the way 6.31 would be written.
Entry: 6.00
